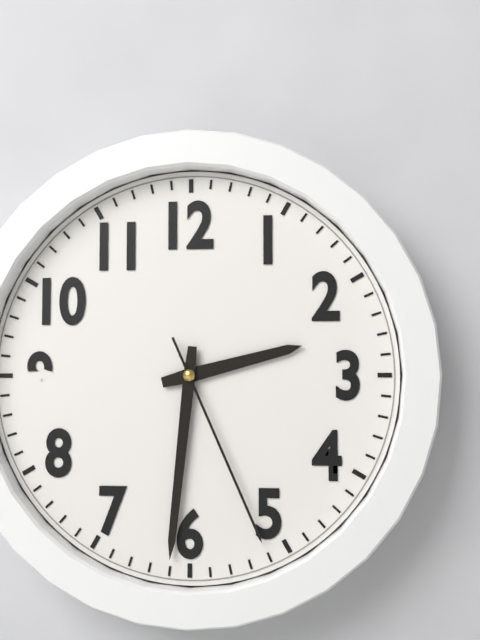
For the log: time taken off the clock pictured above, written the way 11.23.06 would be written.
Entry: 2.31.26
